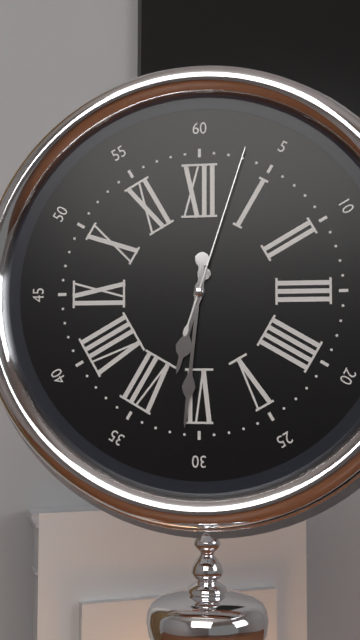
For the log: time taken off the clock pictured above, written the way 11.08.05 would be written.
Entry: 6.31.03
